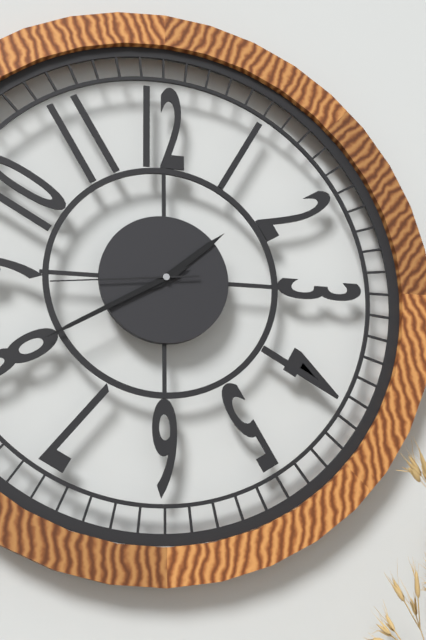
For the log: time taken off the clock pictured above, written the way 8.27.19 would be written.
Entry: 1.40.44
